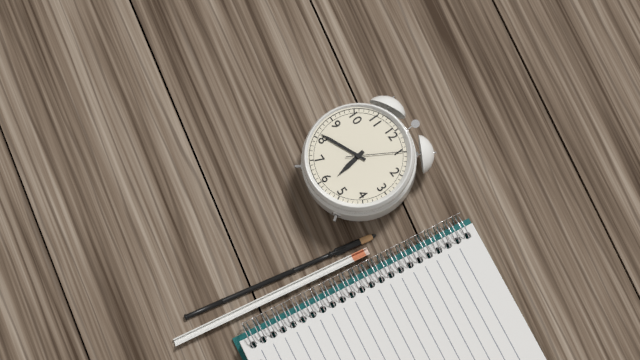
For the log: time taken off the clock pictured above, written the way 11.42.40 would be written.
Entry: 5.41.05
